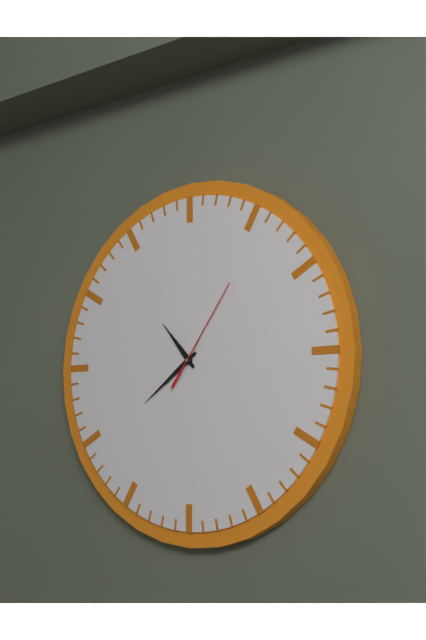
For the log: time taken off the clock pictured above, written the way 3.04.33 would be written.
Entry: 10.39.06
